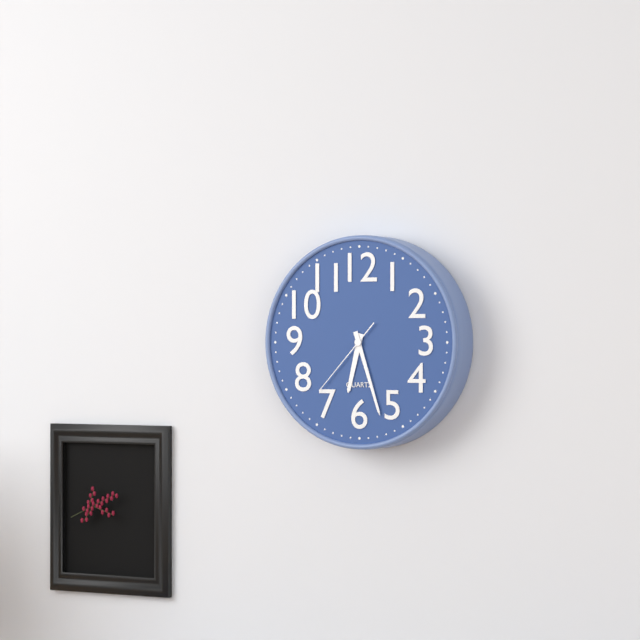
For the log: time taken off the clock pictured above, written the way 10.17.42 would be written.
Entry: 6.27.37
